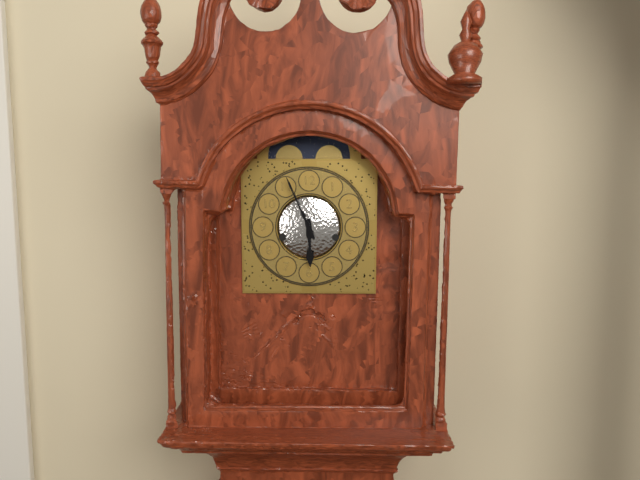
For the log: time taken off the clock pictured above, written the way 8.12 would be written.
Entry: 5.56
